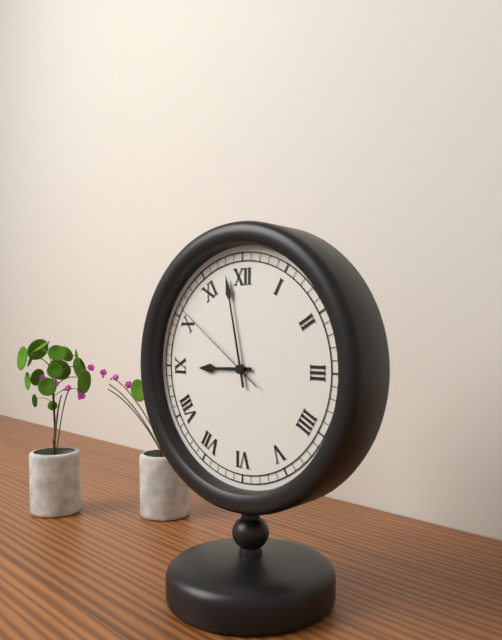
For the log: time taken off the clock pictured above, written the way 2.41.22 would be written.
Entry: 8.58.51
